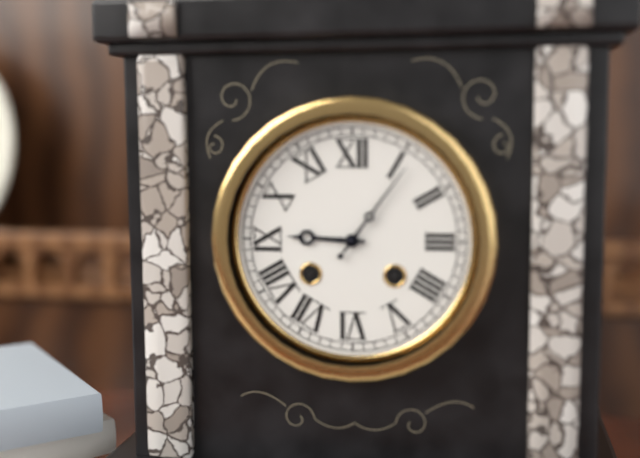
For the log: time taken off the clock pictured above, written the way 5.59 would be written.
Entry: 9.06
